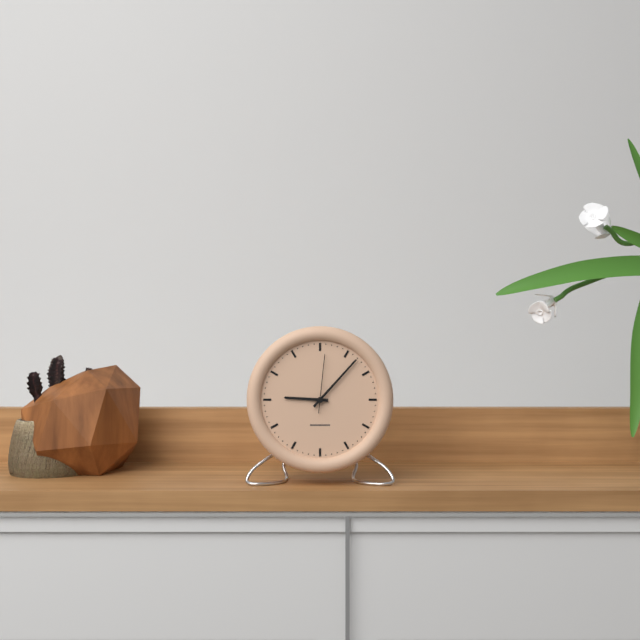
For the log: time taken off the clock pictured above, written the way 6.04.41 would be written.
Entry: 9.07.01
